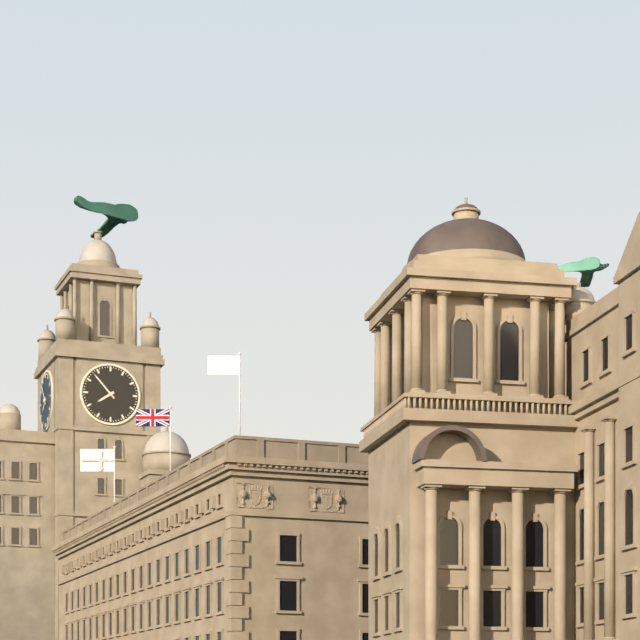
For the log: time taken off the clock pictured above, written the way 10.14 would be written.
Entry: 7.53
